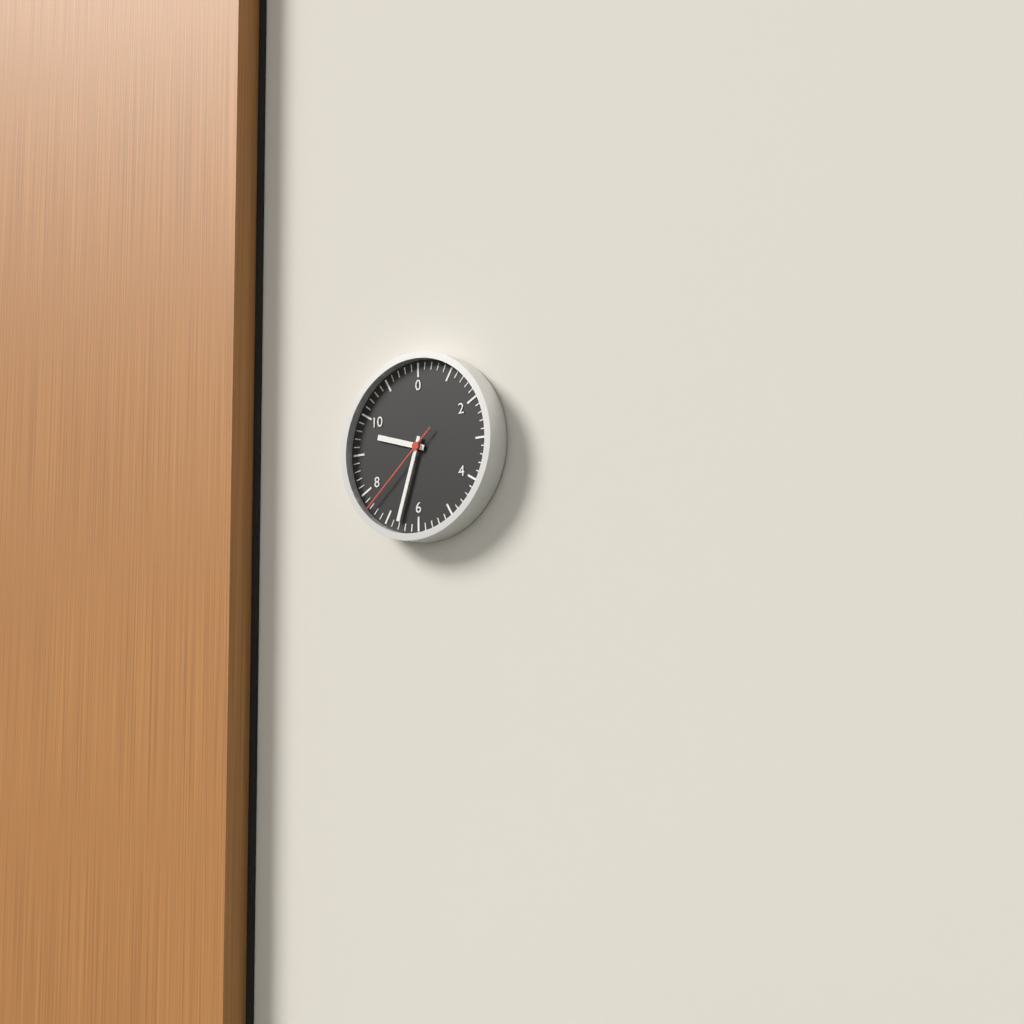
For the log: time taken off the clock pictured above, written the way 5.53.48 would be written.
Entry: 9.33.38
